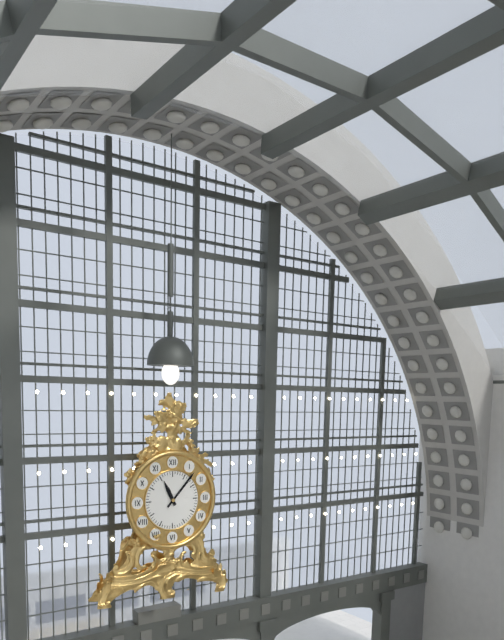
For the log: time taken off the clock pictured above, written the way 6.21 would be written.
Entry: 11.07
